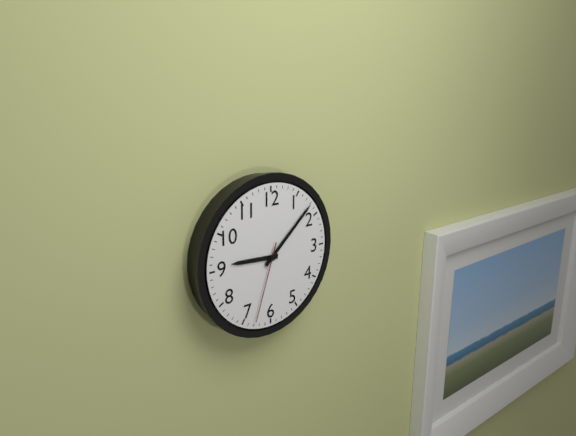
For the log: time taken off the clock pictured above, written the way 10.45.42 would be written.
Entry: 9.08.33
